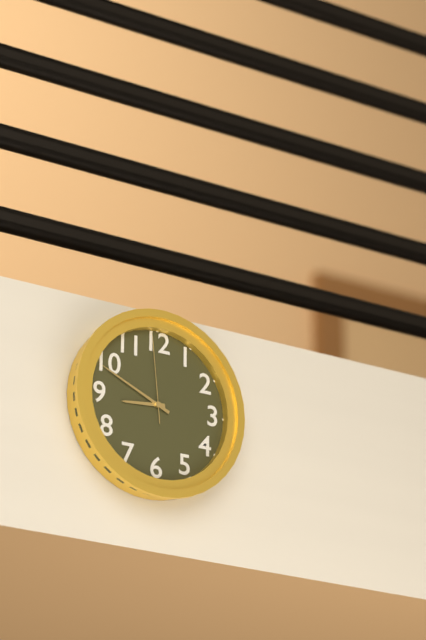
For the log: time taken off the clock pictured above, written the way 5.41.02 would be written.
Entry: 8.49.59
